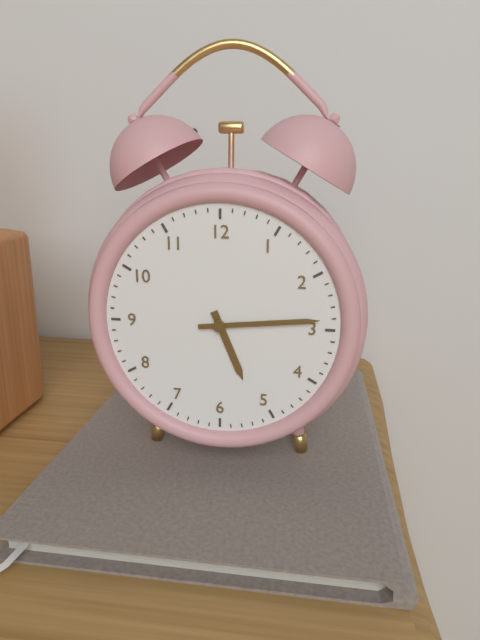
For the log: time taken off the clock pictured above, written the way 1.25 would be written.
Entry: 5.14
